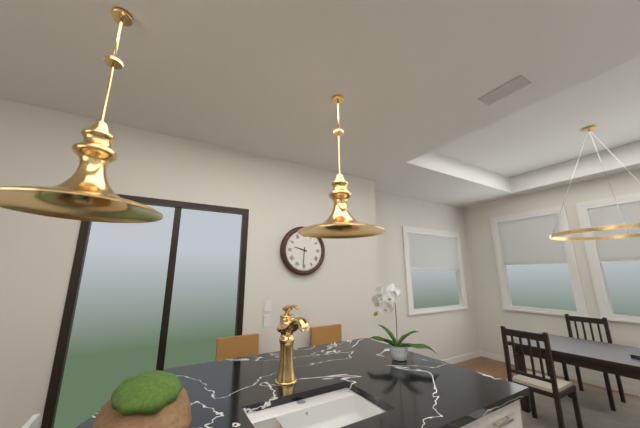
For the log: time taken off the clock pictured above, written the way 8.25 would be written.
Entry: 9.31
